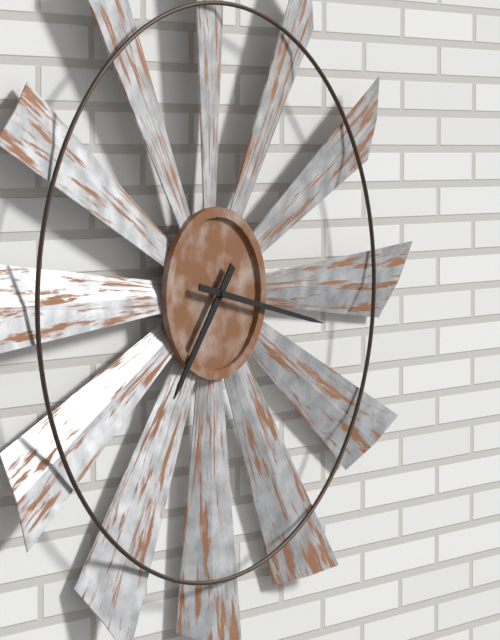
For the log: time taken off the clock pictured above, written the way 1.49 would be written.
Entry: 7.17
